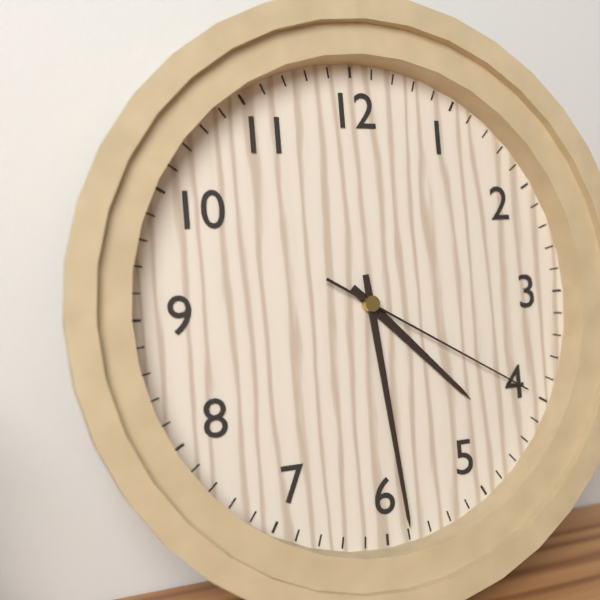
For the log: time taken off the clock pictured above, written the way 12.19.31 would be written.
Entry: 4.29.20
